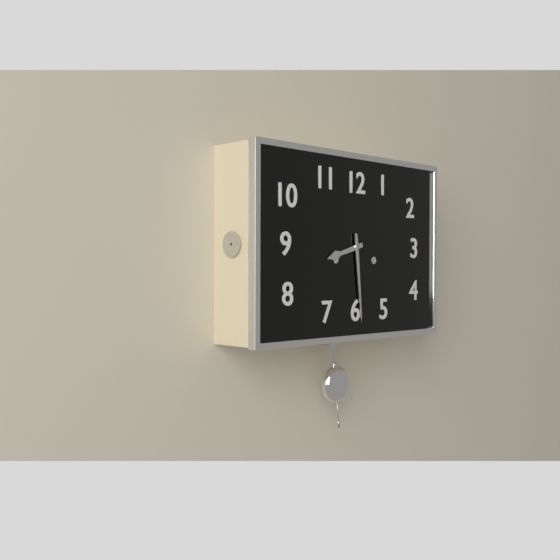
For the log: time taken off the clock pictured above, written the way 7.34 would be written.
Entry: 8.29
